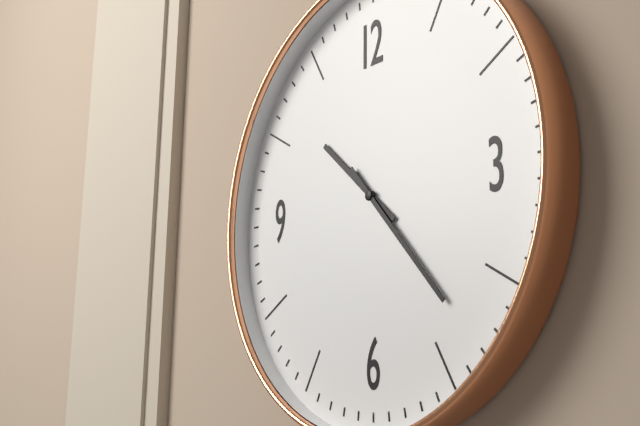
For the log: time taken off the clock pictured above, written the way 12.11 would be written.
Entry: 10.23
